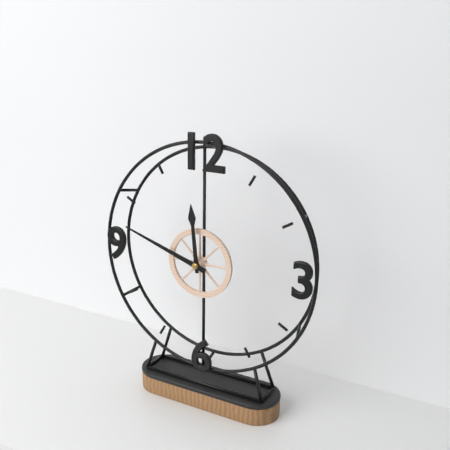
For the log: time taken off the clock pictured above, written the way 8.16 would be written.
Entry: 11.48
